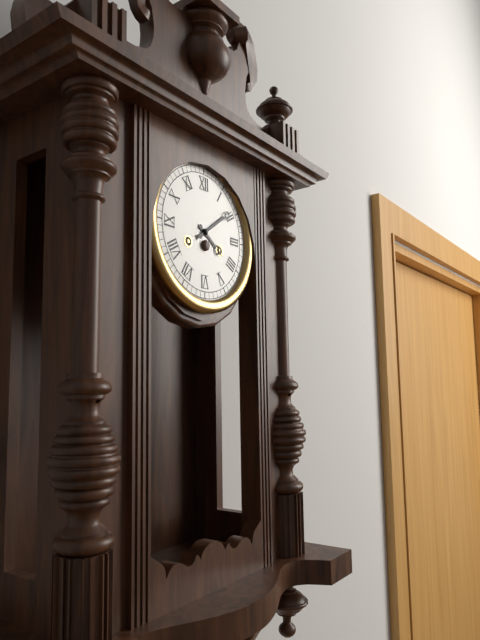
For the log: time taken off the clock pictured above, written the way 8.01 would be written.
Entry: 4.09
